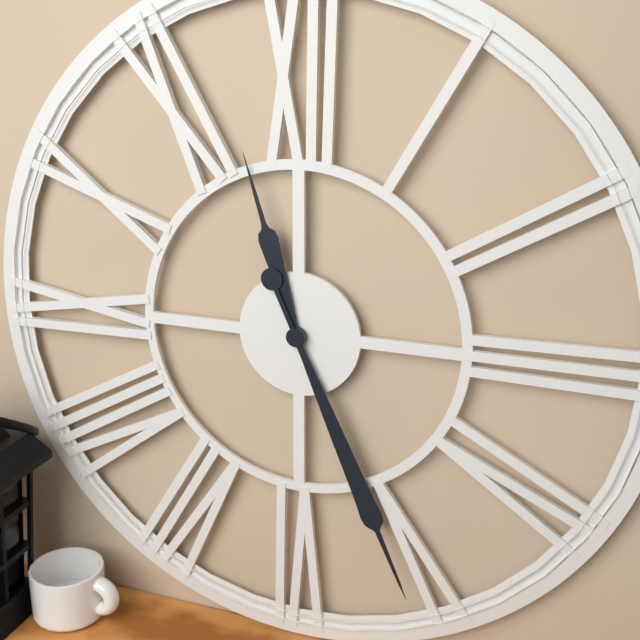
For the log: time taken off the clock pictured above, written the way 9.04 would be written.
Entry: 11.26
